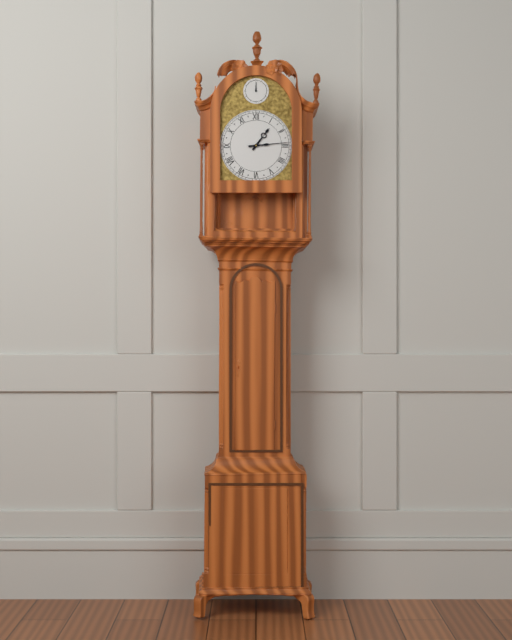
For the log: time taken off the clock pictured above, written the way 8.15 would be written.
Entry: 1.14
